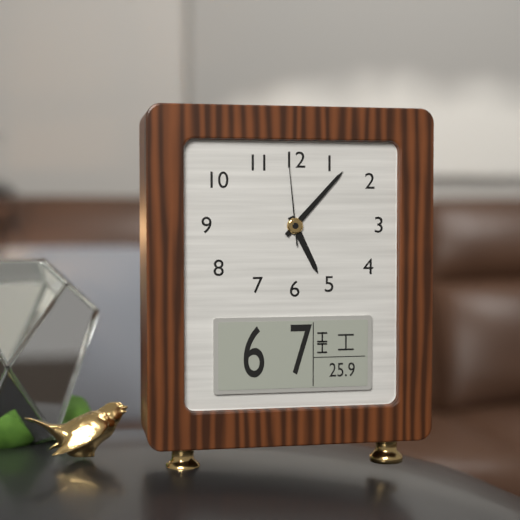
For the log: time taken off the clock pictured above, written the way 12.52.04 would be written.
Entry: 5.07.59
